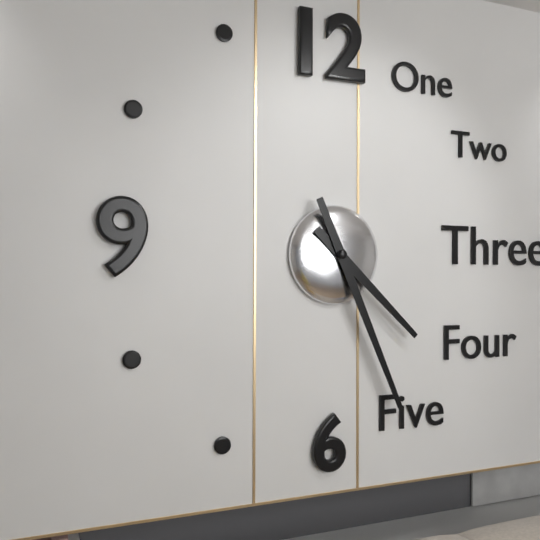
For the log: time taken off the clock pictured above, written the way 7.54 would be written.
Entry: 4.26
